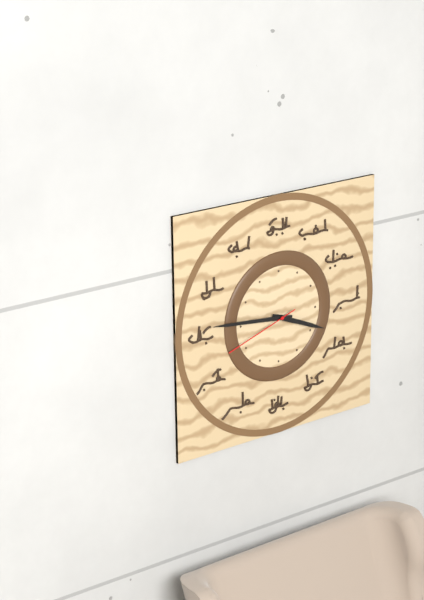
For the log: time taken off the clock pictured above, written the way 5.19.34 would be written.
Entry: 3.46.42
